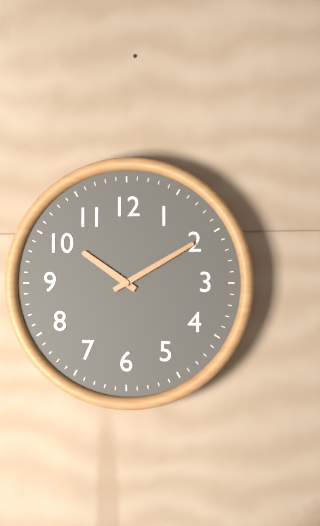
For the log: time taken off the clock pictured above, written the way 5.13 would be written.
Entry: 10.10
